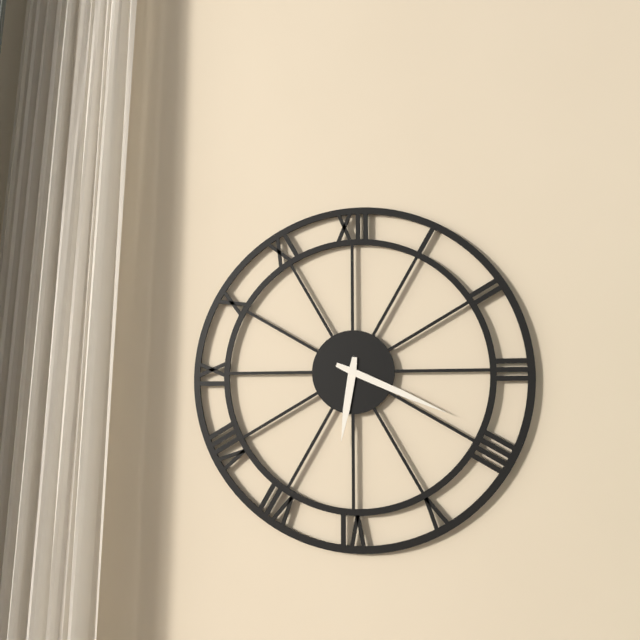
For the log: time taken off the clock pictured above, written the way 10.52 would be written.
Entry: 6.19
